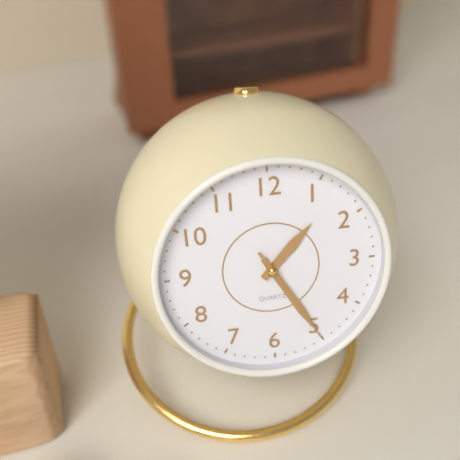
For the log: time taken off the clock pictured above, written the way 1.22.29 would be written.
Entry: 1.25.25
